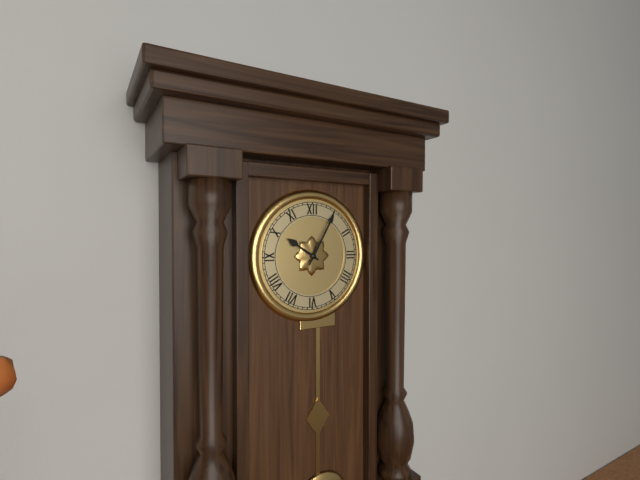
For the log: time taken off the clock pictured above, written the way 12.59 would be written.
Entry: 10.05
